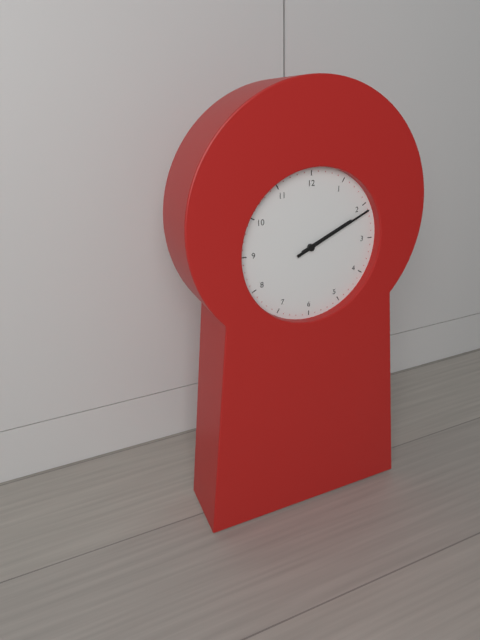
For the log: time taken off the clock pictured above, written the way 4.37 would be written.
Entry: 2.11
